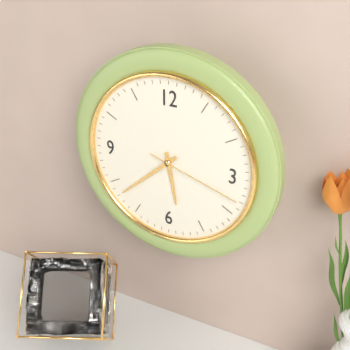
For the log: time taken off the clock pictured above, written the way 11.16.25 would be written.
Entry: 5.38.18
